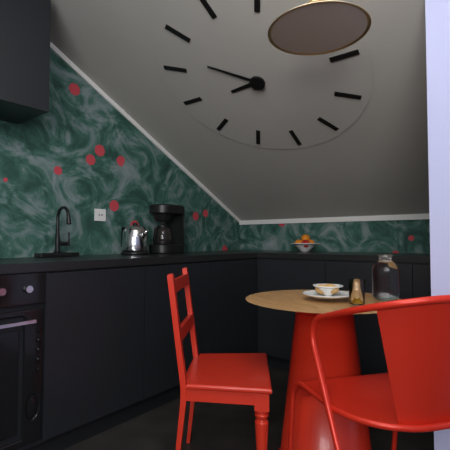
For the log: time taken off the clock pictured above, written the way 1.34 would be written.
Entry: 8.52
